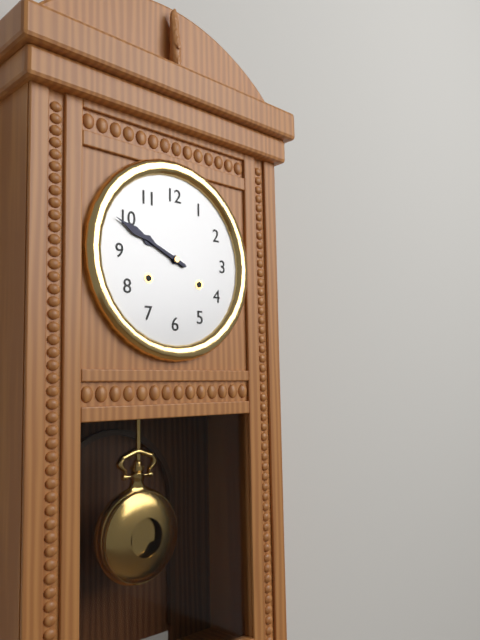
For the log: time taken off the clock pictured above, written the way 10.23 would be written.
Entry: 9.49
